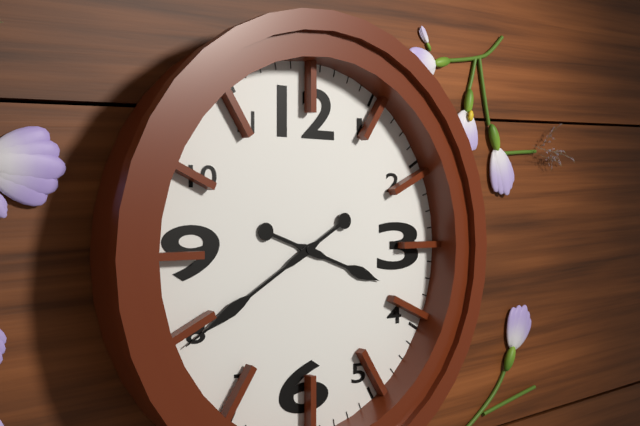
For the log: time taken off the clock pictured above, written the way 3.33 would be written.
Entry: 3.40
